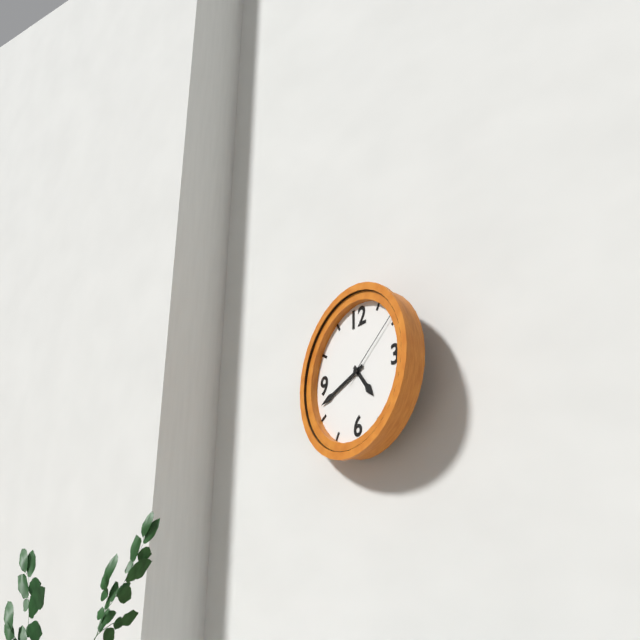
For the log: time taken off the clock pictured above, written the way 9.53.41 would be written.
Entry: 4.42.09
